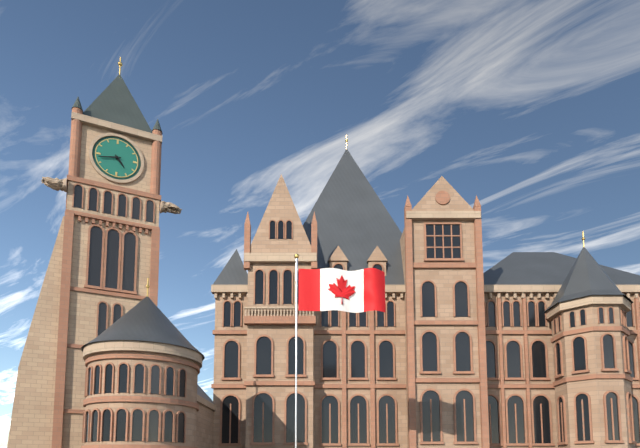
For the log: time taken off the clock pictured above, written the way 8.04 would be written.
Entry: 4.43
